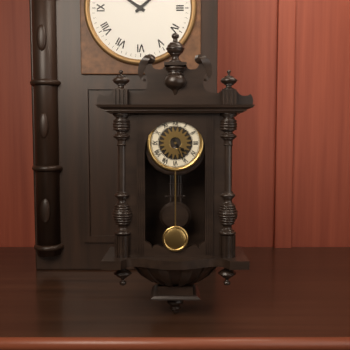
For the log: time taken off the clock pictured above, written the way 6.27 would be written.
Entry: 4.26
